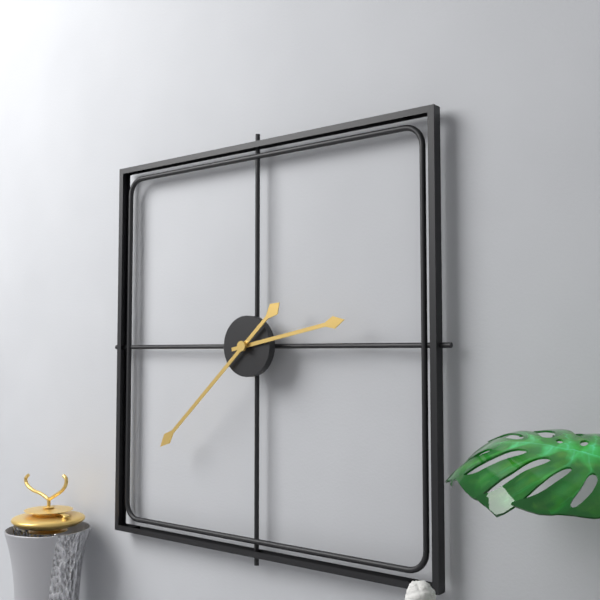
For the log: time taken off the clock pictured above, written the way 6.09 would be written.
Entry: 2.38
